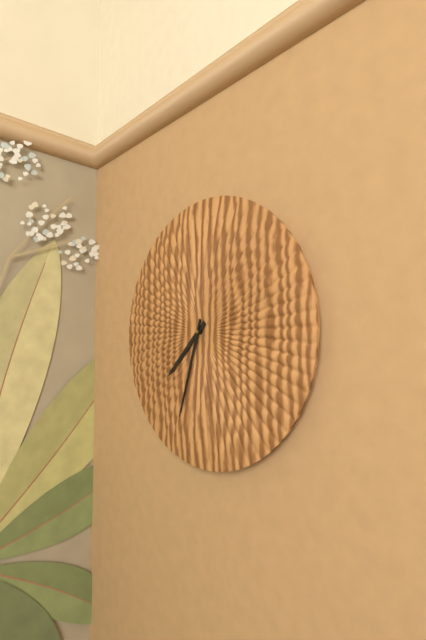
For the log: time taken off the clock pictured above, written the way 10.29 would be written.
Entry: 7.33
